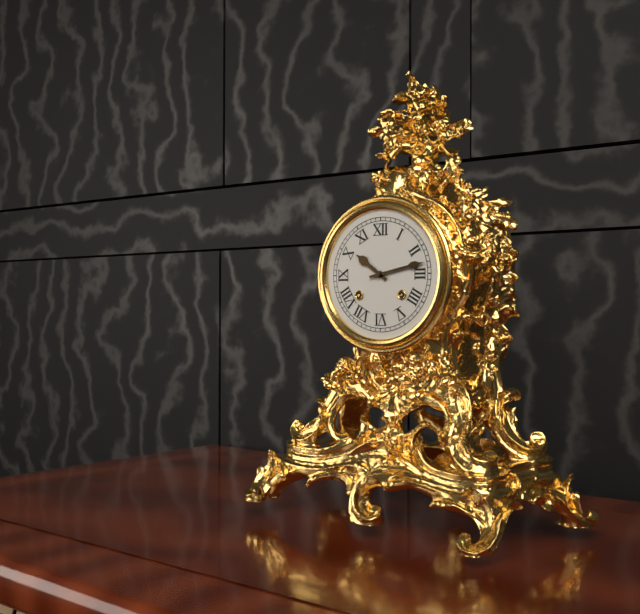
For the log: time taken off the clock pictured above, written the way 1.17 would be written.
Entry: 10.13
